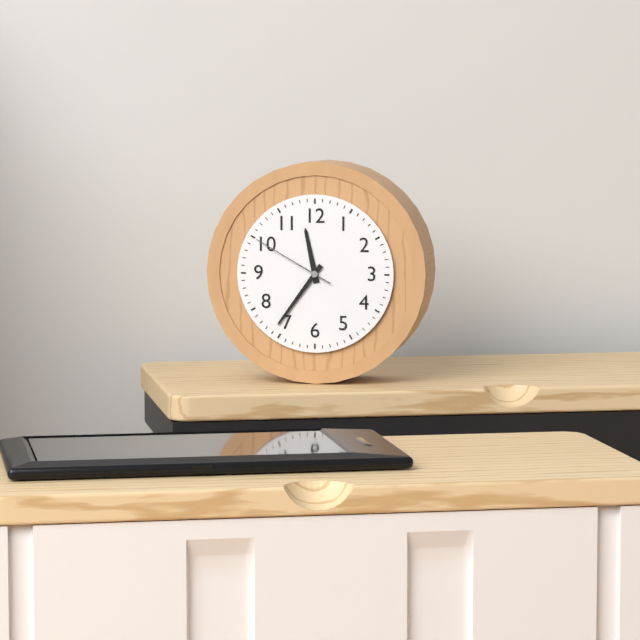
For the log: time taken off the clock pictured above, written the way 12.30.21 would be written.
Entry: 11.36.50
